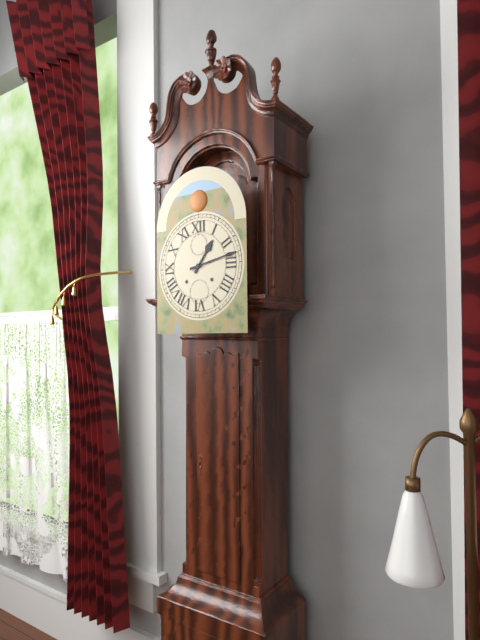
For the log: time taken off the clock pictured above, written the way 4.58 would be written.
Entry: 1.13
